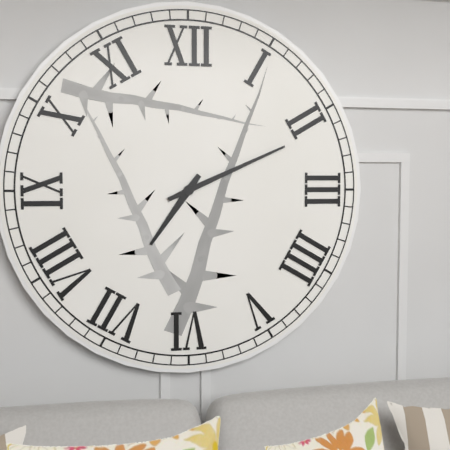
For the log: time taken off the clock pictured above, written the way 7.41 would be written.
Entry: 7.11
